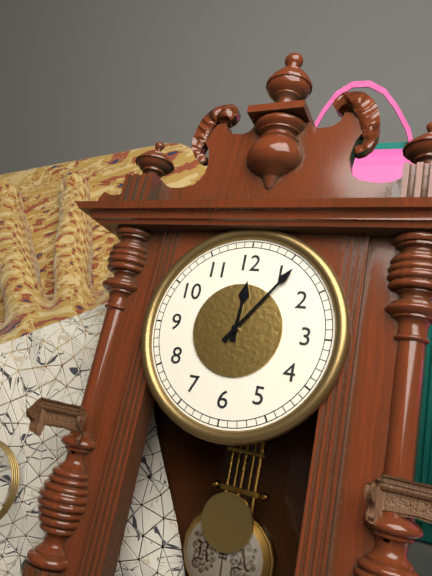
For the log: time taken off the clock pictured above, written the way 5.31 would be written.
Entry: 12.06
